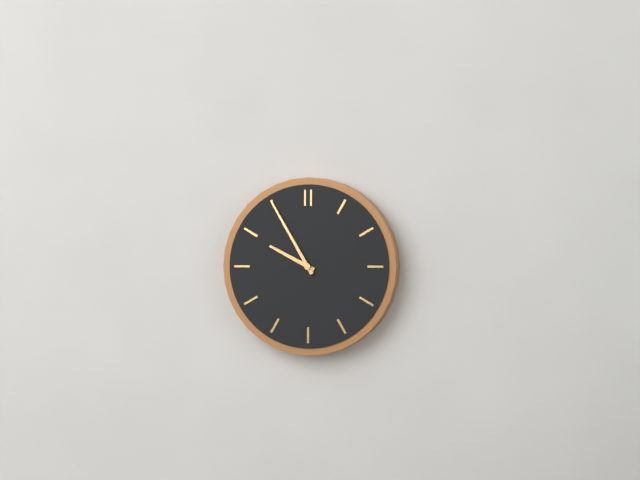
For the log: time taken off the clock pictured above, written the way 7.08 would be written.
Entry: 9.55
